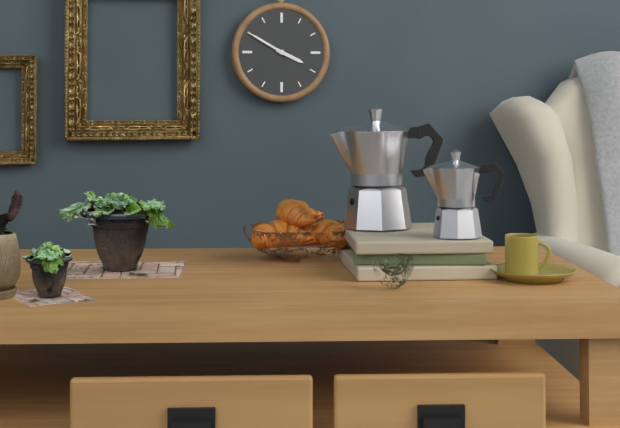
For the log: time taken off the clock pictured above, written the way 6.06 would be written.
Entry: 3.50
